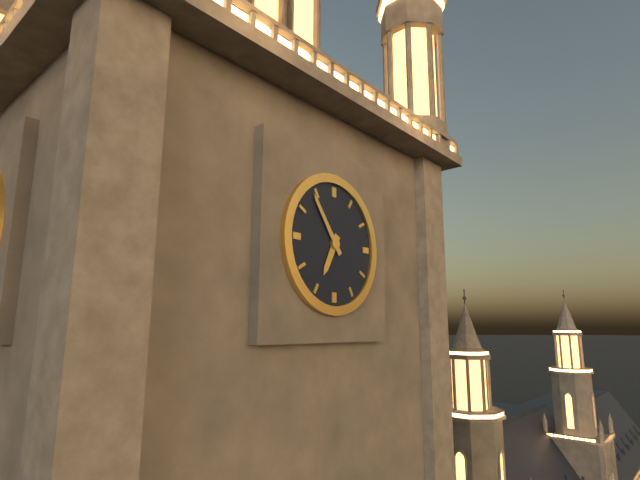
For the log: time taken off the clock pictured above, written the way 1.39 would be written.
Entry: 6.54
